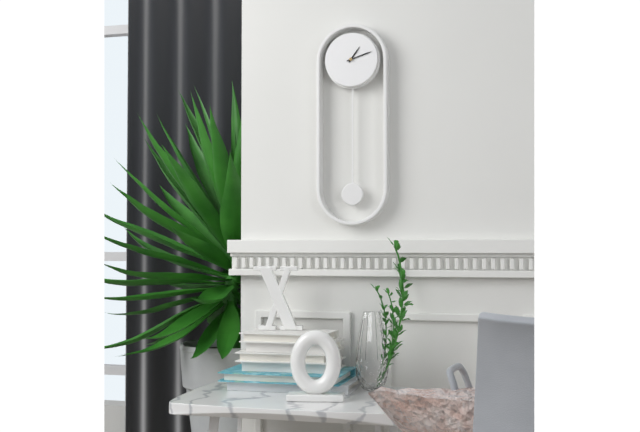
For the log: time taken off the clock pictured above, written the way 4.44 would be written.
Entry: 1.12
